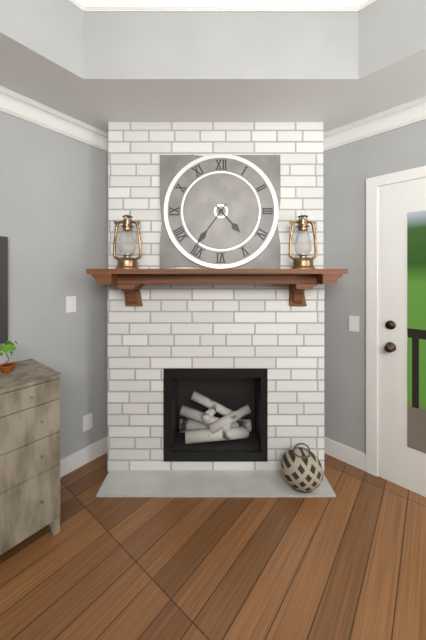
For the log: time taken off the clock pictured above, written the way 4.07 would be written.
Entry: 4.36
